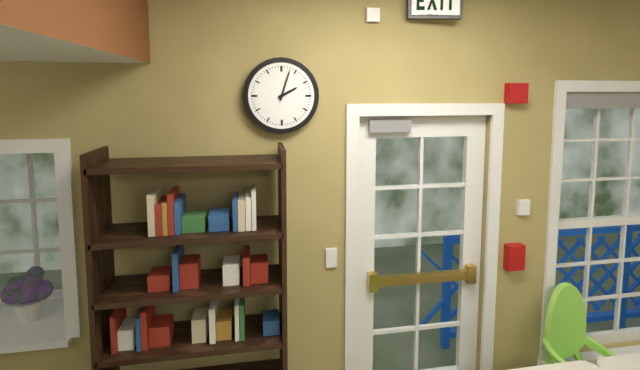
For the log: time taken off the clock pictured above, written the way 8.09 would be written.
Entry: 2.03
